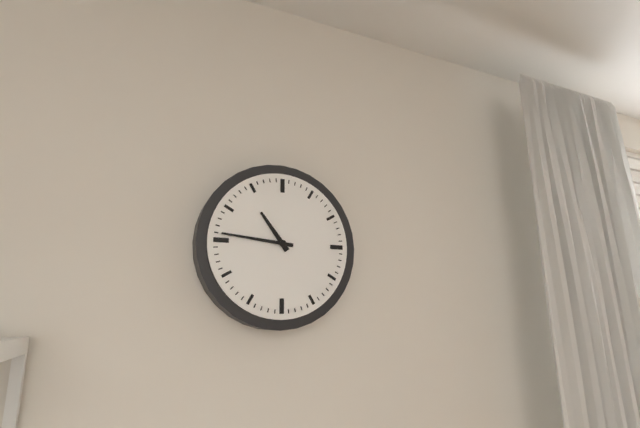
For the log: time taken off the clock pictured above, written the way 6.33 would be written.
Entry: 10.46
